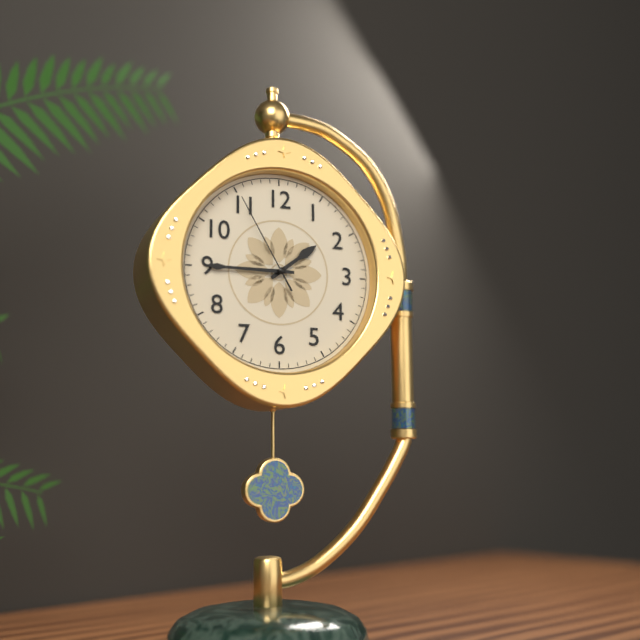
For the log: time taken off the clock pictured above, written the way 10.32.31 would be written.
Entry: 1.45.55
